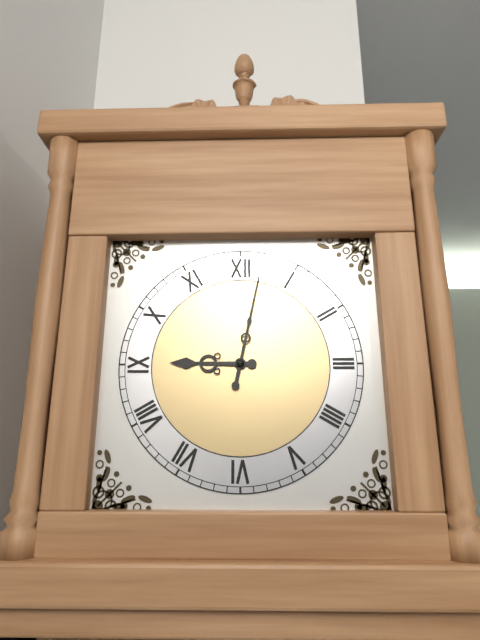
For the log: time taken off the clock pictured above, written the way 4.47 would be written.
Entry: 9.02
